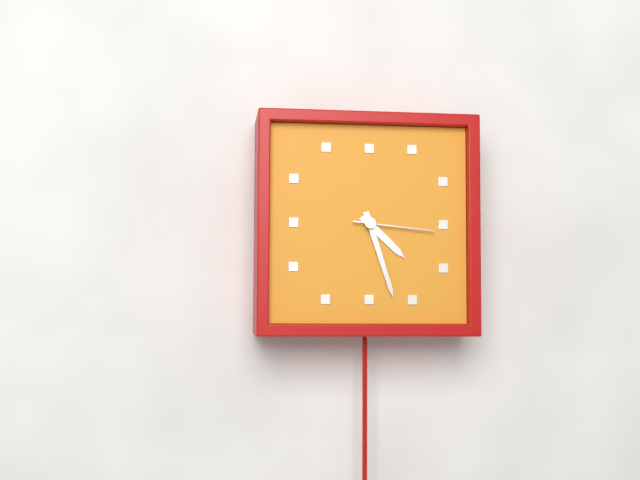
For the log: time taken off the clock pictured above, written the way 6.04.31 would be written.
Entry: 4.27.16
